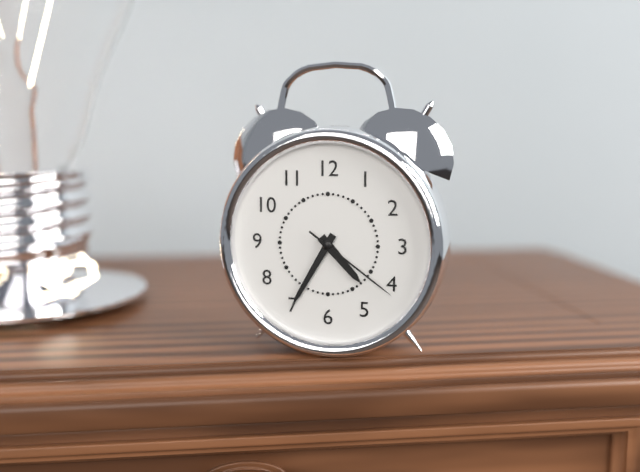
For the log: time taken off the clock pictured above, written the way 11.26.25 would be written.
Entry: 4.35.21
